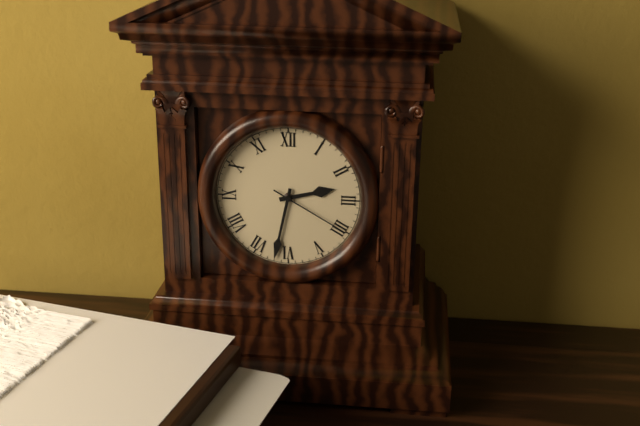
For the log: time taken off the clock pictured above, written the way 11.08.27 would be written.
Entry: 2.32.20
